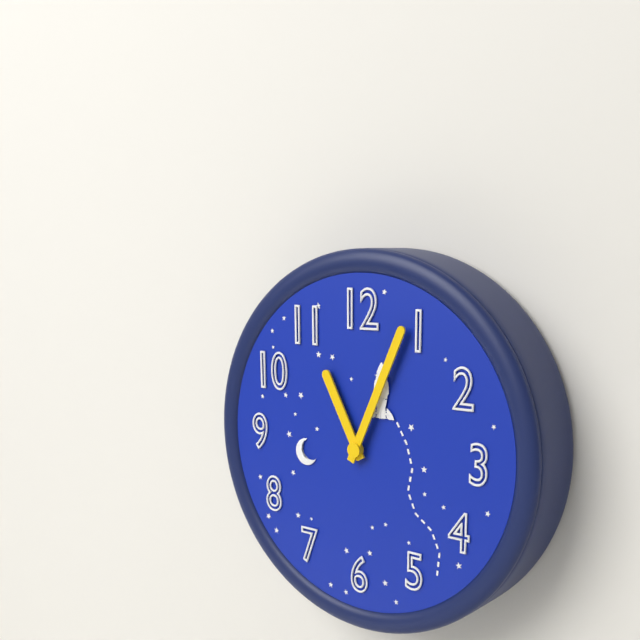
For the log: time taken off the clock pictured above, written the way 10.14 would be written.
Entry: 11.04
